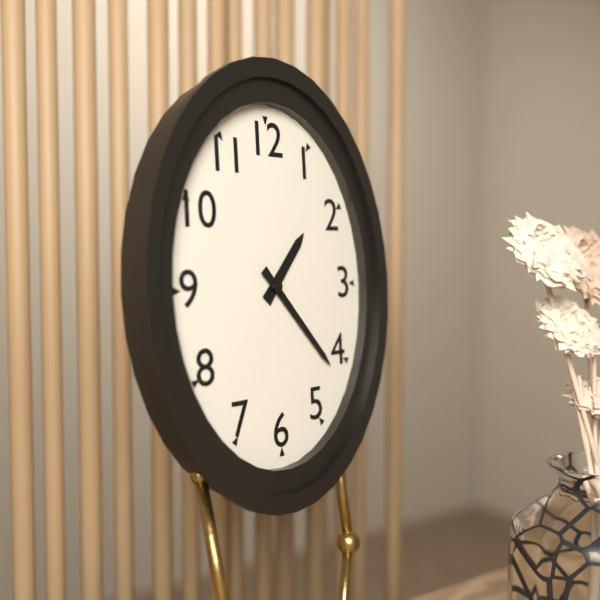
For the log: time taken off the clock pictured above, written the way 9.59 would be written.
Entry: 1.23
